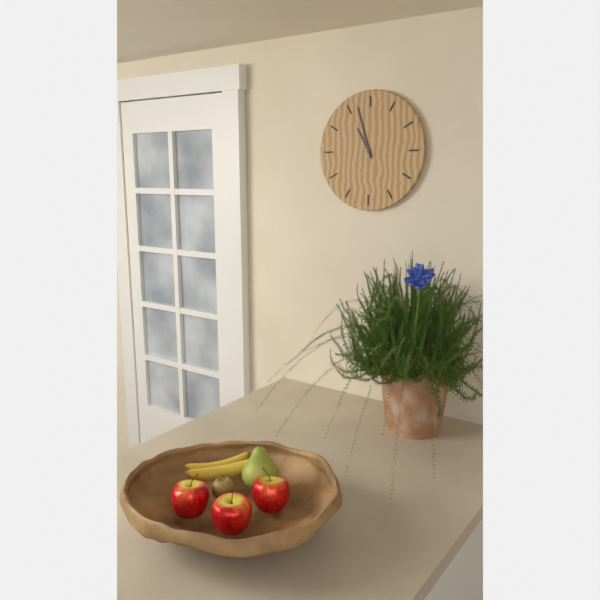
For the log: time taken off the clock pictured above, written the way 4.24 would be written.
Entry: 10.57
